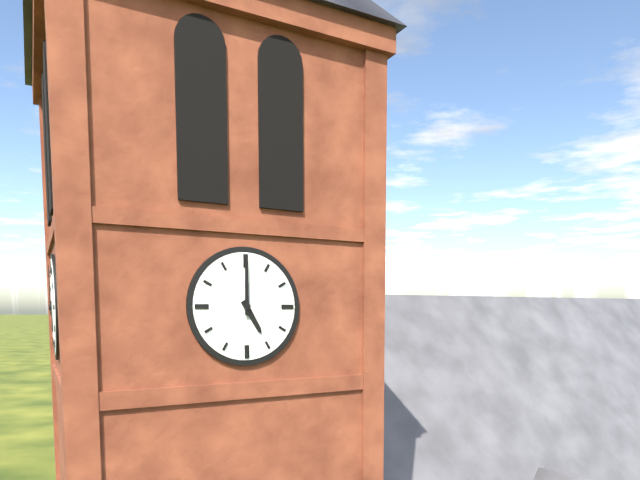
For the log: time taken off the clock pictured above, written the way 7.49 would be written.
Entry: 5.00
